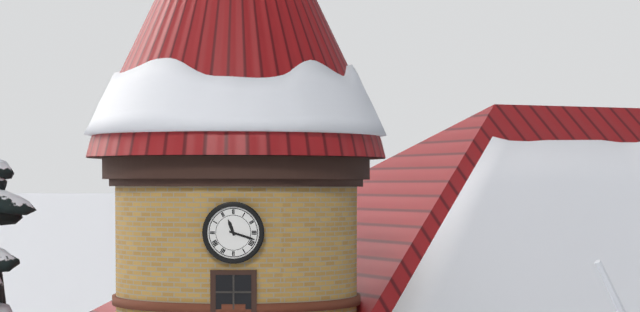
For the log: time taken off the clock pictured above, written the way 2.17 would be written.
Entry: 11.18
